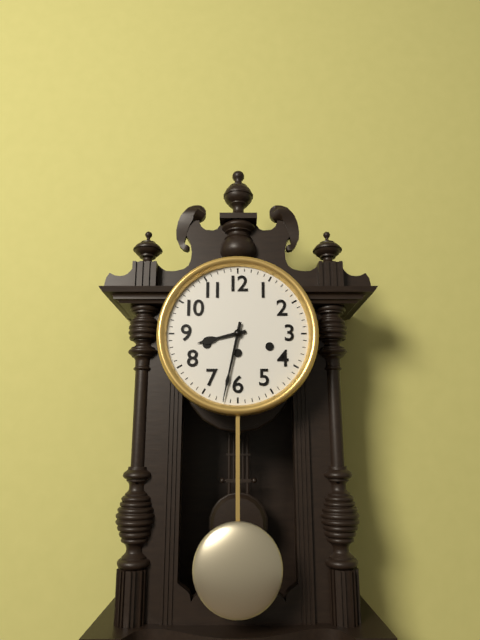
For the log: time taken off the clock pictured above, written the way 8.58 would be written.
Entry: 8.32
